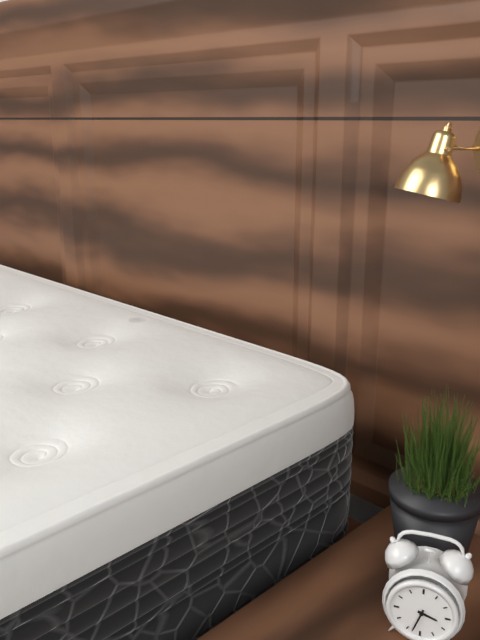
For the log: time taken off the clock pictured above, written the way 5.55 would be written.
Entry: 3.33
